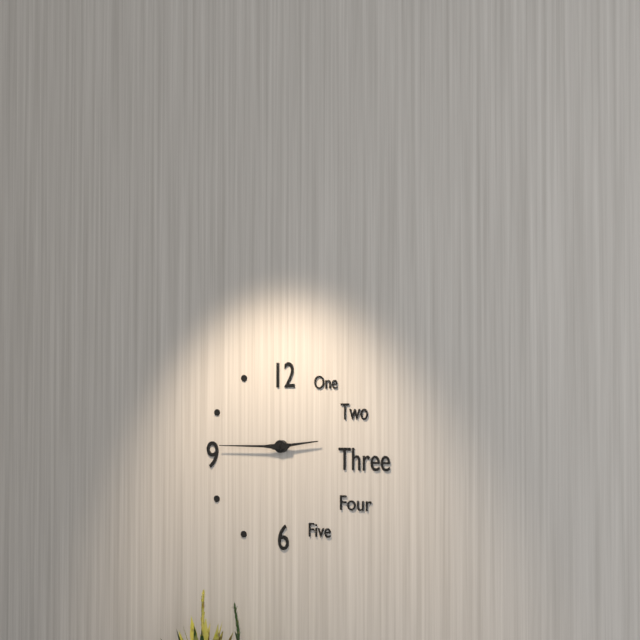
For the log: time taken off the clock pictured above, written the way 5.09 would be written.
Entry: 2.45
